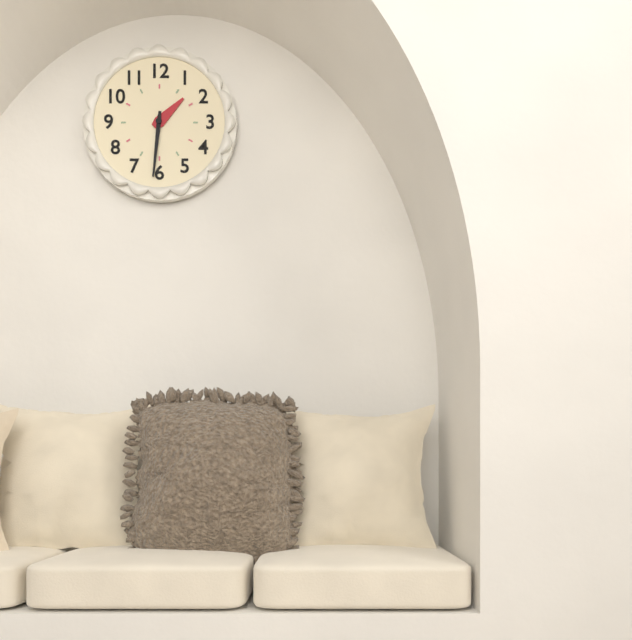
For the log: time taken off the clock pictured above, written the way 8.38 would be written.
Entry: 1.31
